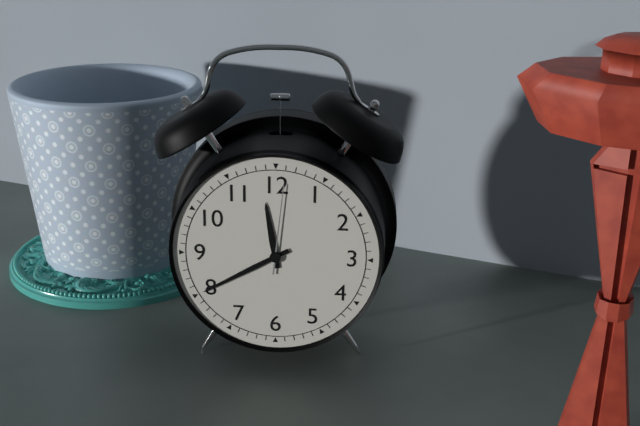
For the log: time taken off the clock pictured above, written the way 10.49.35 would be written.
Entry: 11.40.01
